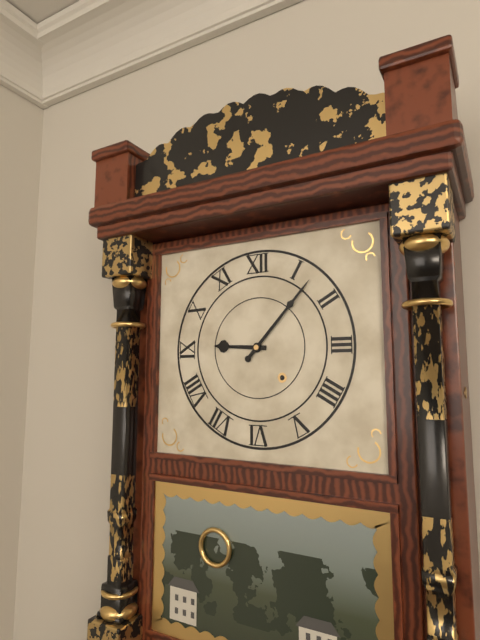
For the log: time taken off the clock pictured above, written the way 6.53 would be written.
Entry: 9.07
